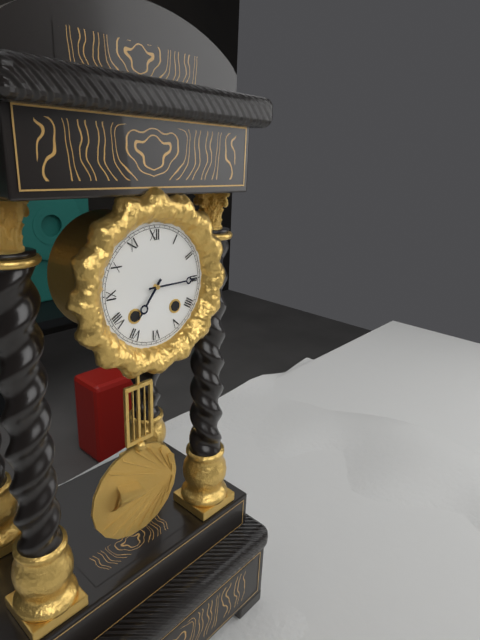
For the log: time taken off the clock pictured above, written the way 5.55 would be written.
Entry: 7.15
